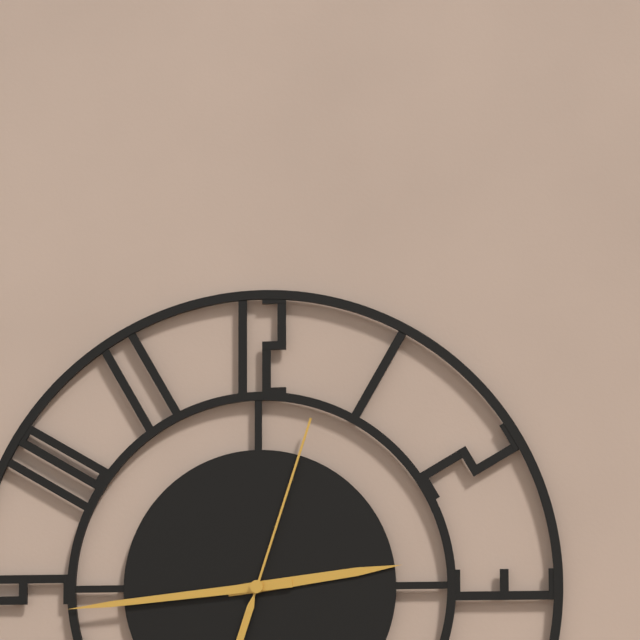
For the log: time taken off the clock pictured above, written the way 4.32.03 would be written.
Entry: 2.44.03
